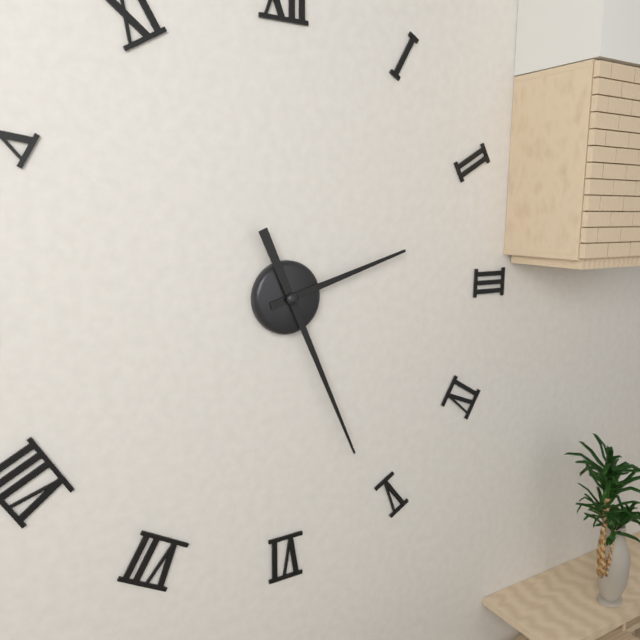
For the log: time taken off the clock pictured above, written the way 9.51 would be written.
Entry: 2.26
